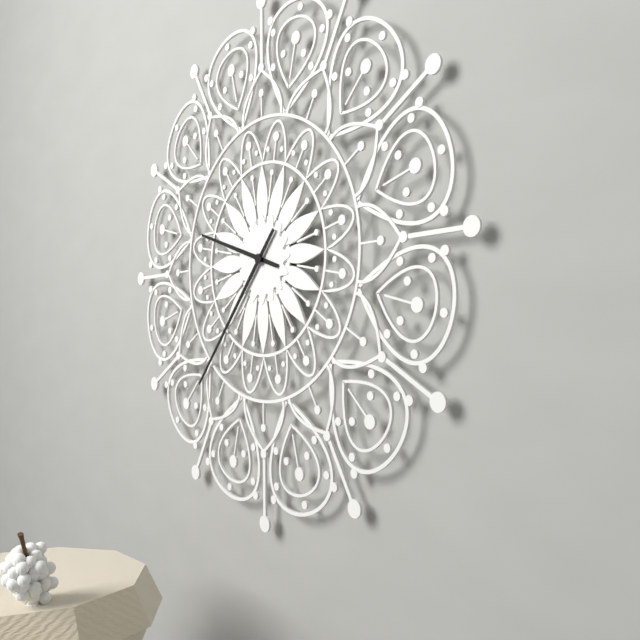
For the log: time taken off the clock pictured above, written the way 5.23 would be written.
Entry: 9.37
